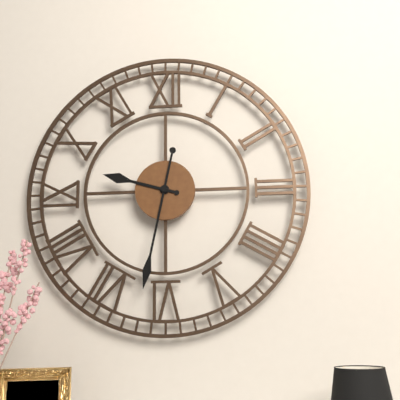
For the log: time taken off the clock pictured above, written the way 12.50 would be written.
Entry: 9.32
